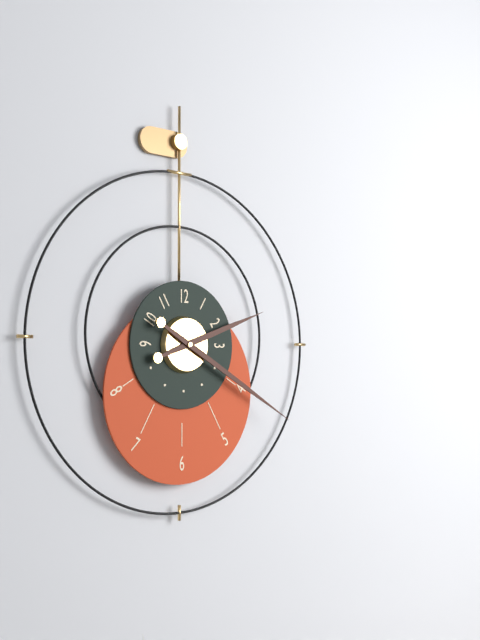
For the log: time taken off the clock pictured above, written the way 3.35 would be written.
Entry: 2.20
